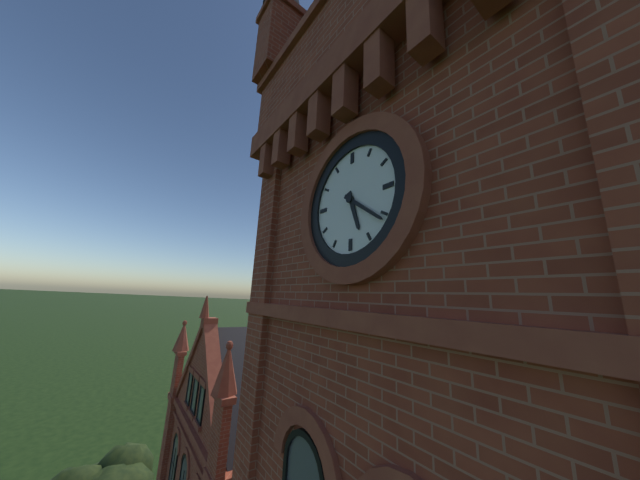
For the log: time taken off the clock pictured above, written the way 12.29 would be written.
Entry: 5.21
